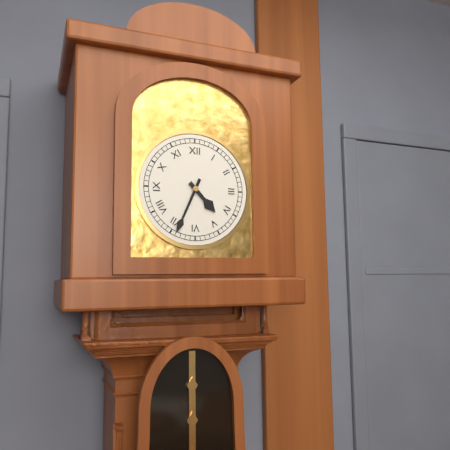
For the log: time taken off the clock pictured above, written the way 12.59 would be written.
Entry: 4.34
